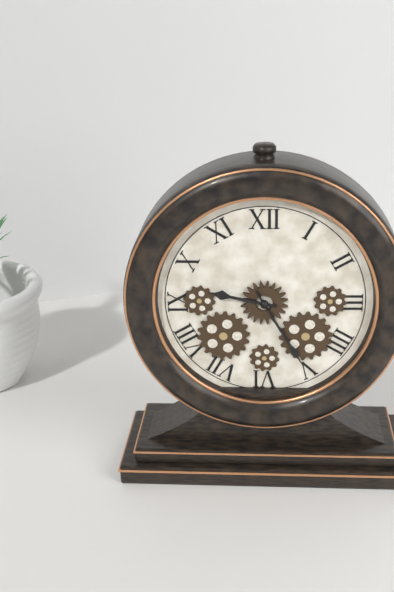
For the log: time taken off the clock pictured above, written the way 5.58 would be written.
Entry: 9.25
